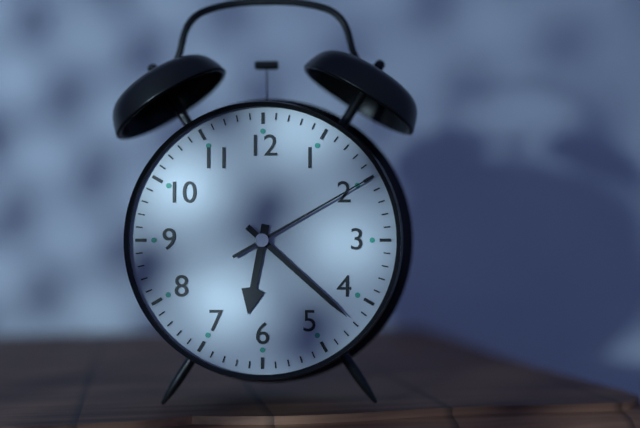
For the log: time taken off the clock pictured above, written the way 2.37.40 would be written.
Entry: 6.22.10
